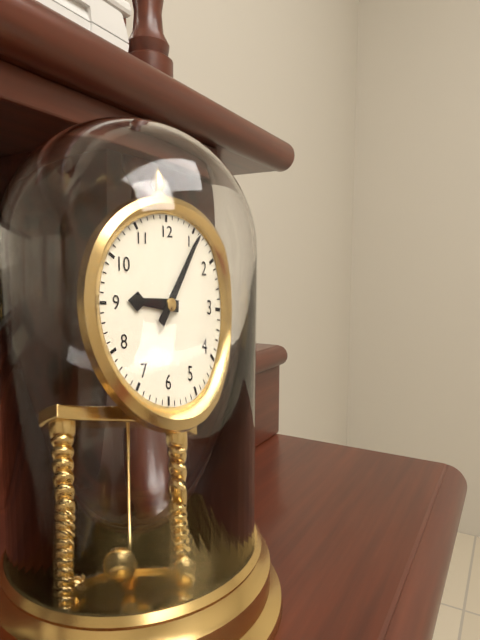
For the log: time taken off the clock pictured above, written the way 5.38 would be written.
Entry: 9.06
